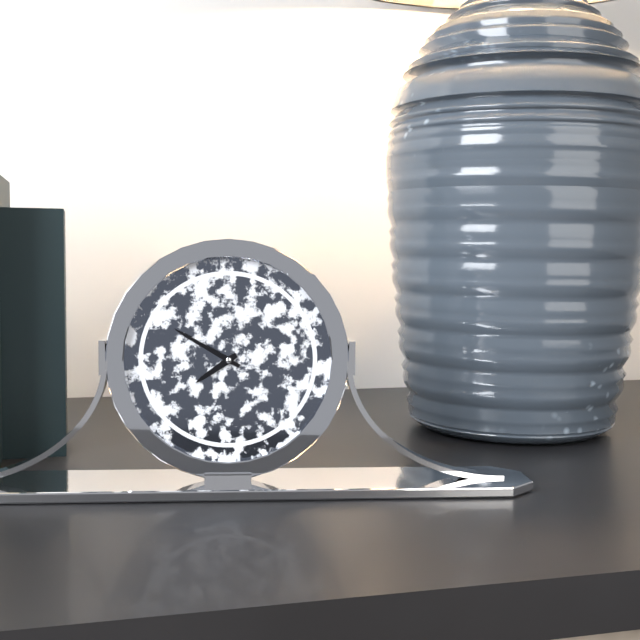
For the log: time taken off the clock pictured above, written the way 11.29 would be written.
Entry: 7.50
